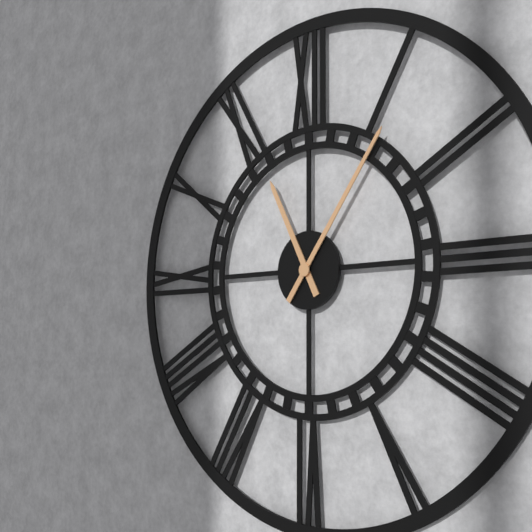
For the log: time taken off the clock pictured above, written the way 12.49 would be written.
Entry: 11.06
